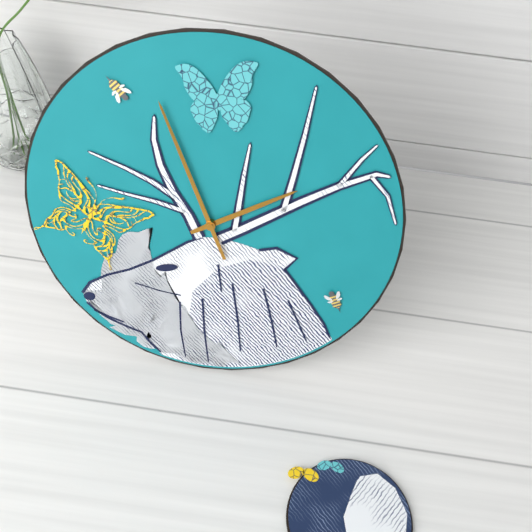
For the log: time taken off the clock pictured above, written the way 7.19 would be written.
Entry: 1.56
